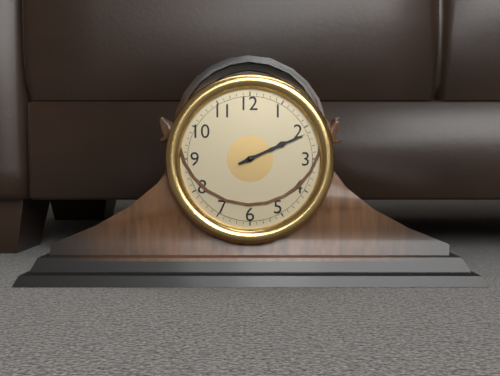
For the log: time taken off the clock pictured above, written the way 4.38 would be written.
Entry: 2.11
